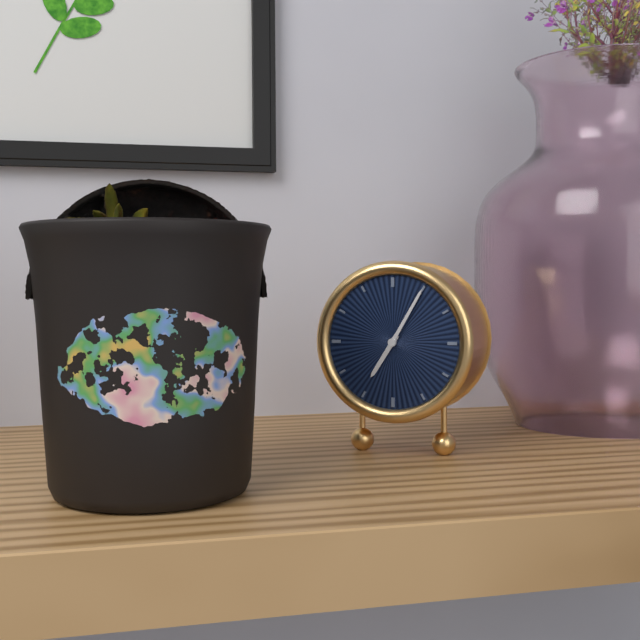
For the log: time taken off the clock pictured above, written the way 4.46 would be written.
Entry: 7.05
